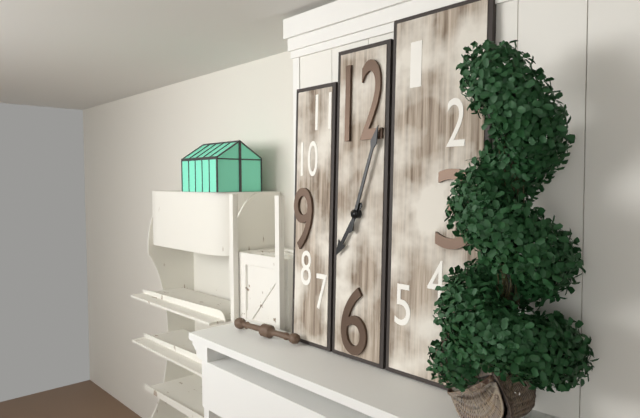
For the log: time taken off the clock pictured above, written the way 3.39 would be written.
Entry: 7.03
